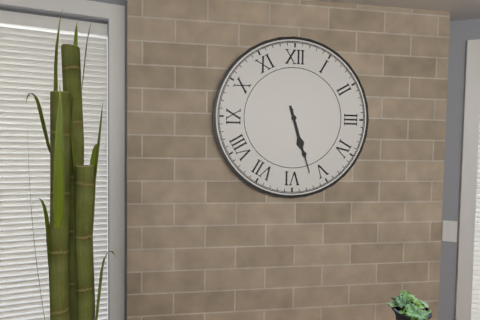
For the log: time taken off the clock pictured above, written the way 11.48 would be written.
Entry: 5.27
